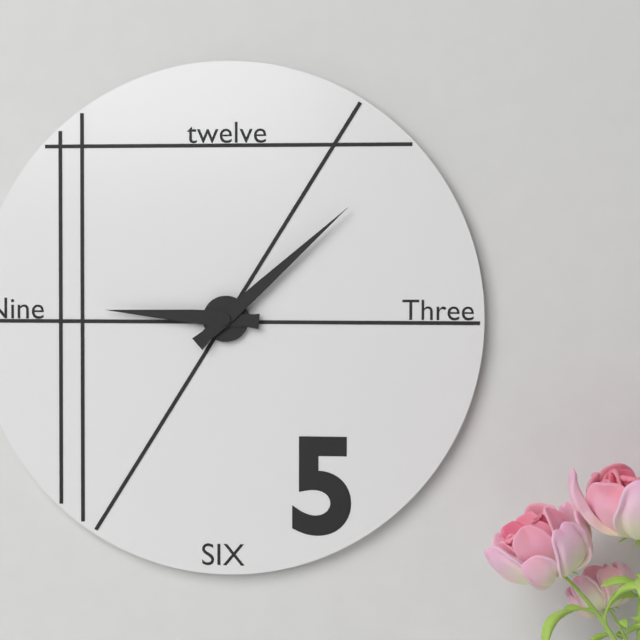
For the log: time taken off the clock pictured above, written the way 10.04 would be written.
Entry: 9.08
